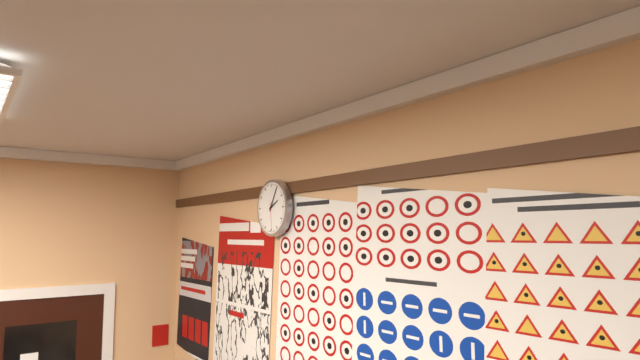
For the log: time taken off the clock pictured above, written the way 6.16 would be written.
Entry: 2.05
